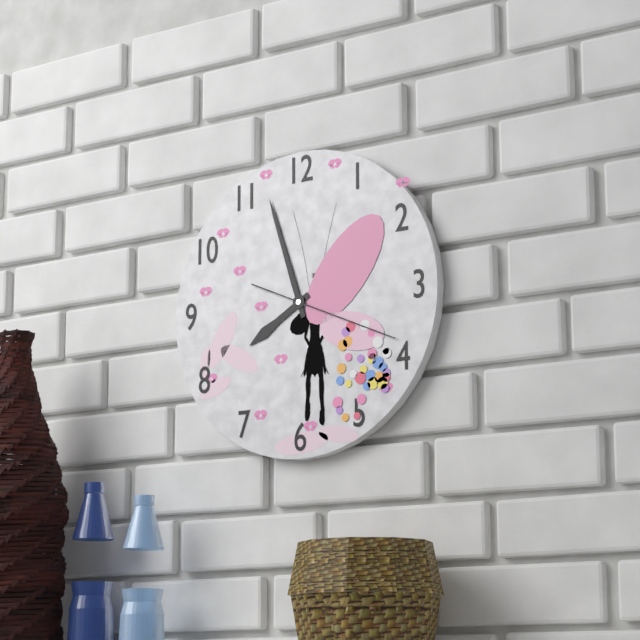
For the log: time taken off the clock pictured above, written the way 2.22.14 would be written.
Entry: 7.57.19
